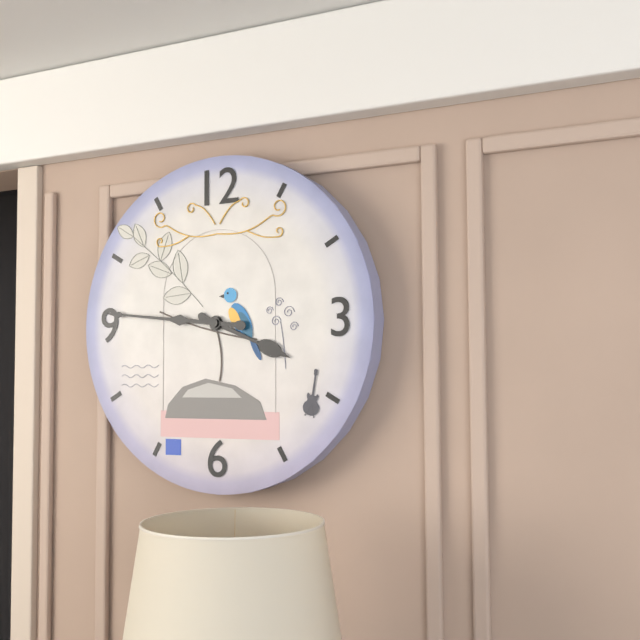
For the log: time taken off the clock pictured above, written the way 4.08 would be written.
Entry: 3.46
